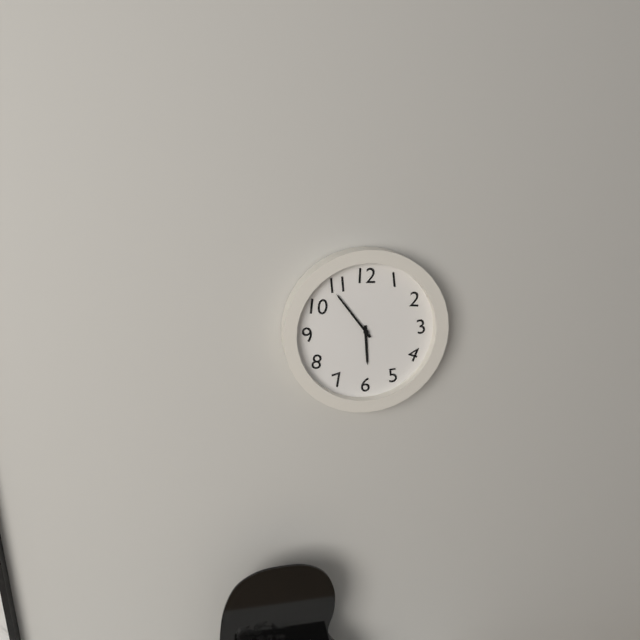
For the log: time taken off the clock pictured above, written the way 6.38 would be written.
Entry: 5.54
